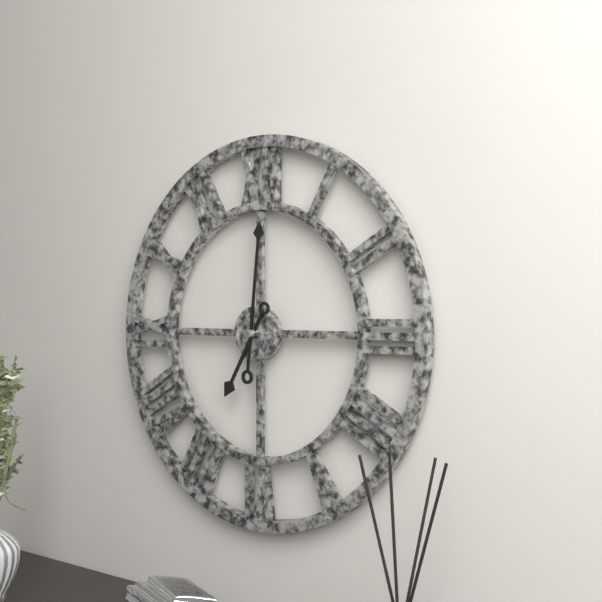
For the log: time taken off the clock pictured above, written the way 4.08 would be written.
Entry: 7.01
